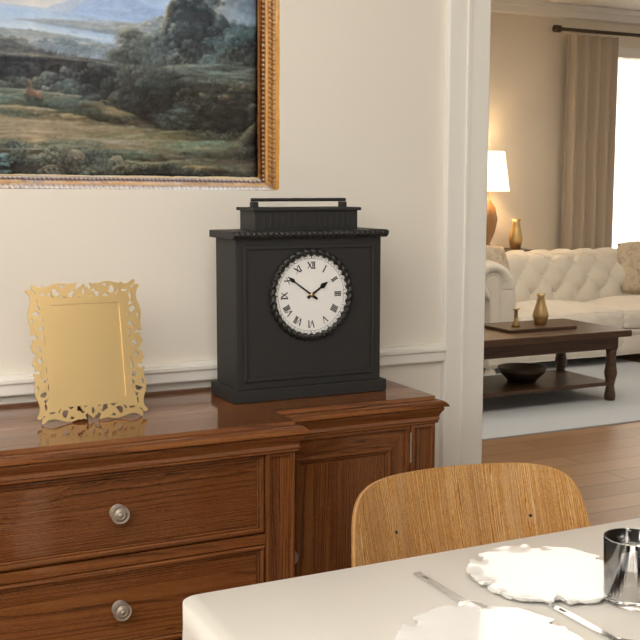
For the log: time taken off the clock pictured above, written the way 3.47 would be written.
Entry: 1.51
